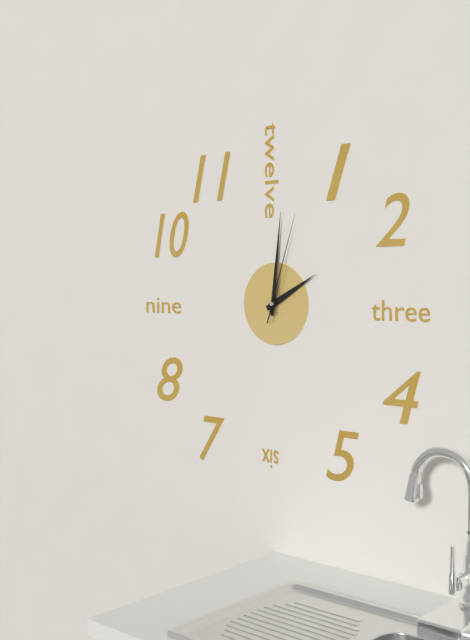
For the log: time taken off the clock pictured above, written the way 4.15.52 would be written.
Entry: 2.01.03
